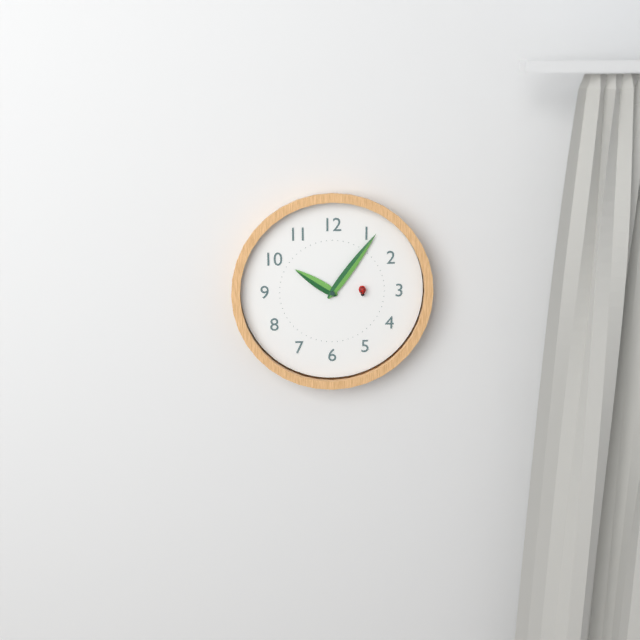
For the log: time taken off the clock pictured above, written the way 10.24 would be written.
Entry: 10.06
